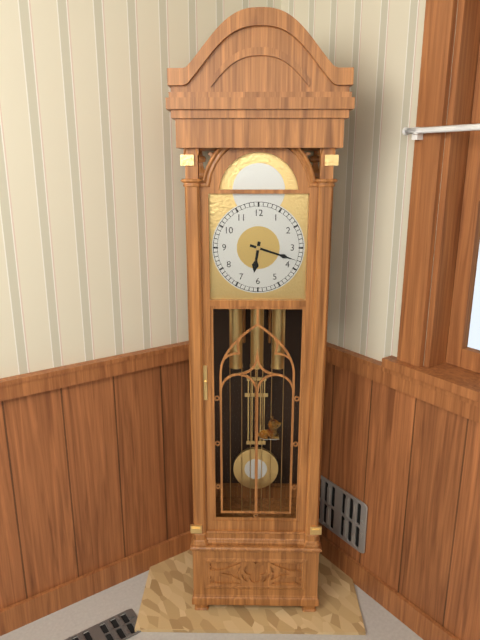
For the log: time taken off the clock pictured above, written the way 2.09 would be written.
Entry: 6.18
